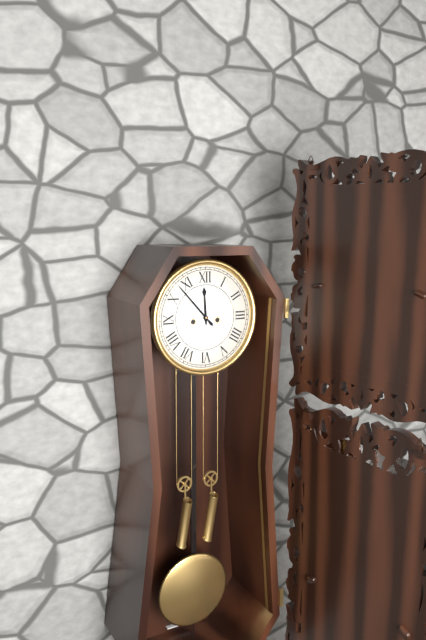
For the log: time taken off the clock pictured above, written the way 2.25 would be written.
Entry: 11.53
